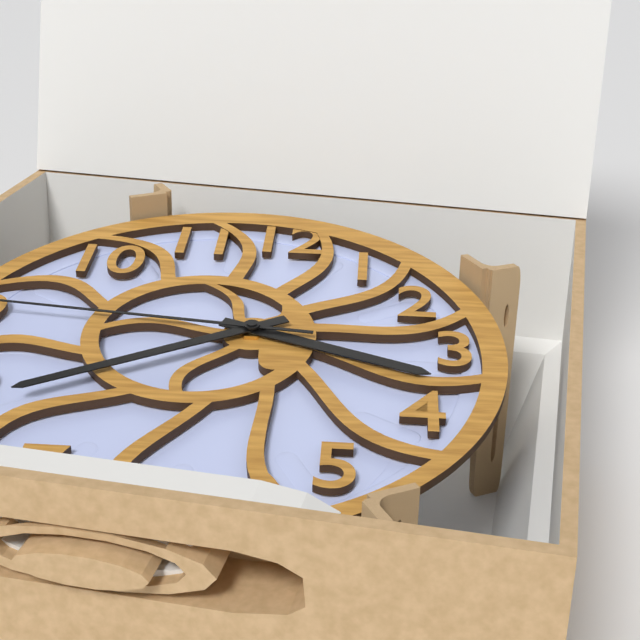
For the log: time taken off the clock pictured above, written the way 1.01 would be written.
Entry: 3.40
